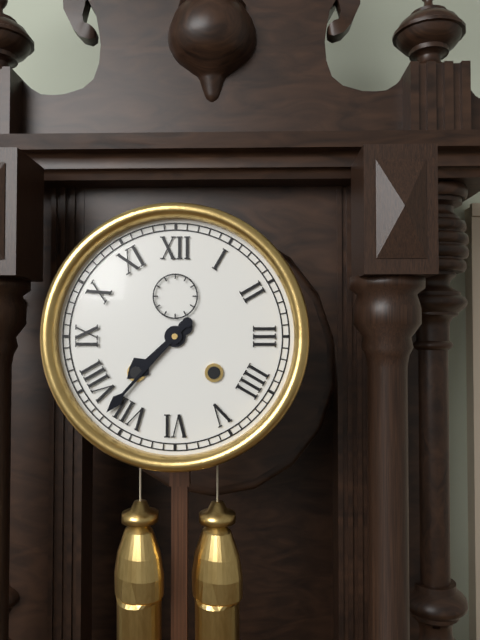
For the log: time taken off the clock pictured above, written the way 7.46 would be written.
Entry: 7.37
